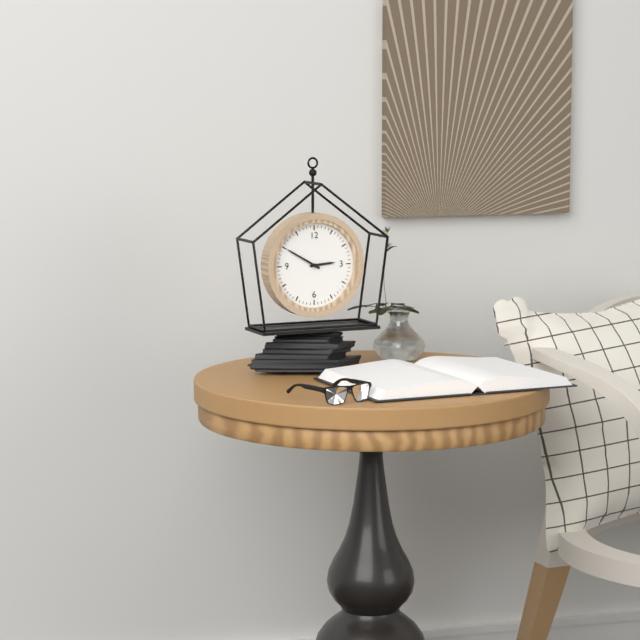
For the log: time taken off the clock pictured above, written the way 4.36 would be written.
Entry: 2.50
